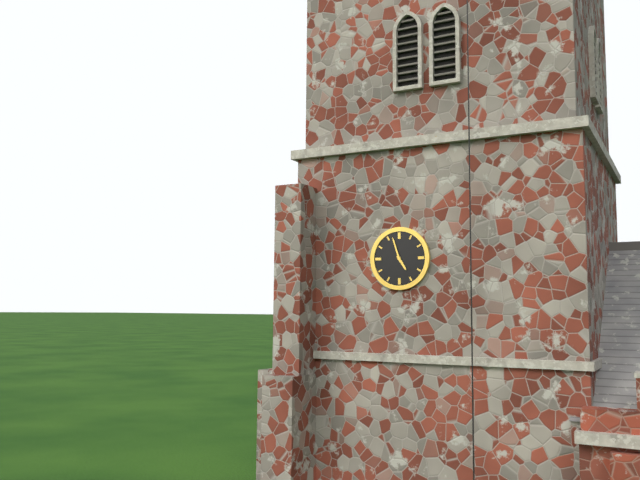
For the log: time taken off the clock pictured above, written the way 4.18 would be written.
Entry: 4.57
